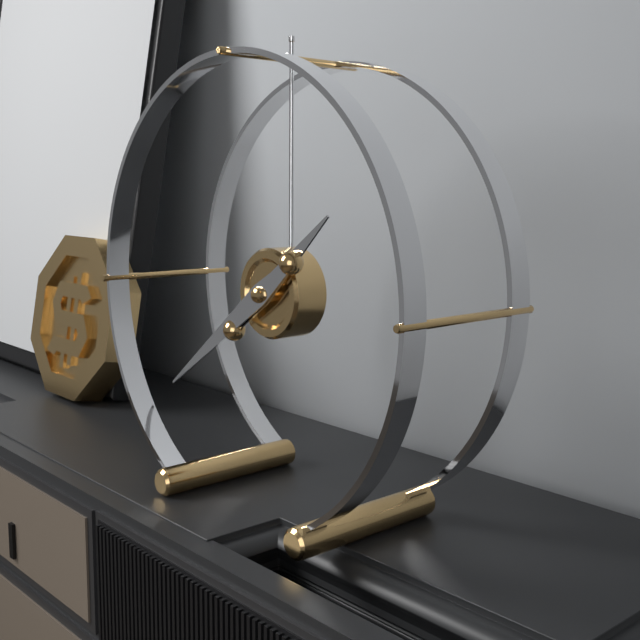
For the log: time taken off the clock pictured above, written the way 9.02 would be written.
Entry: 1.39
